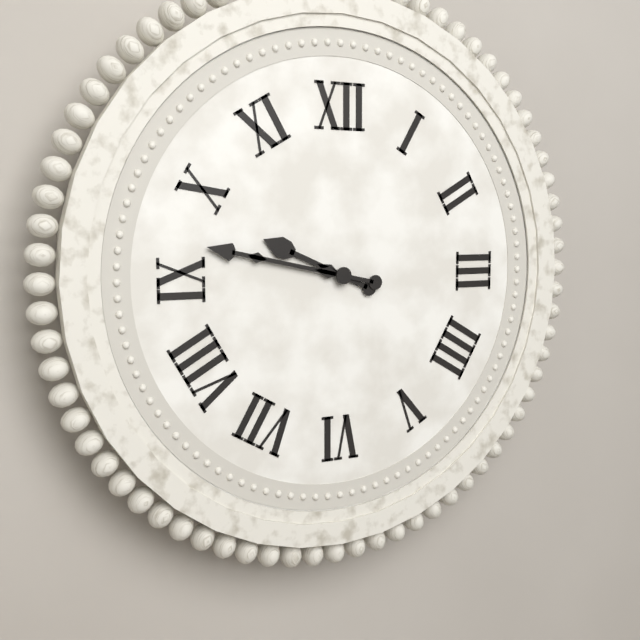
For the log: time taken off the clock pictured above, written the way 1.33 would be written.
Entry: 9.47
